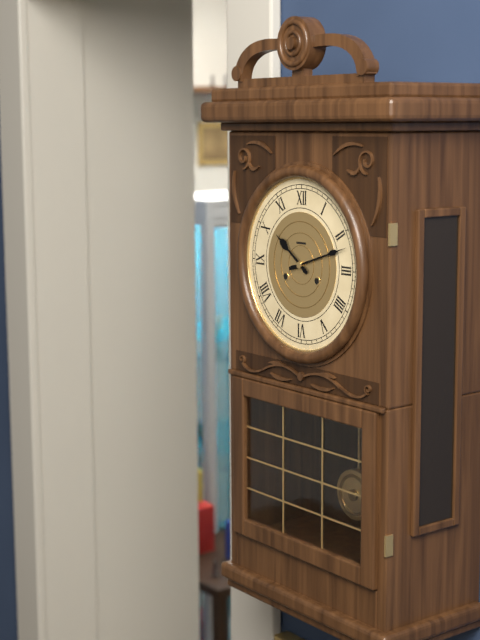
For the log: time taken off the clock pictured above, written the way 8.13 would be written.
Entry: 10.12
